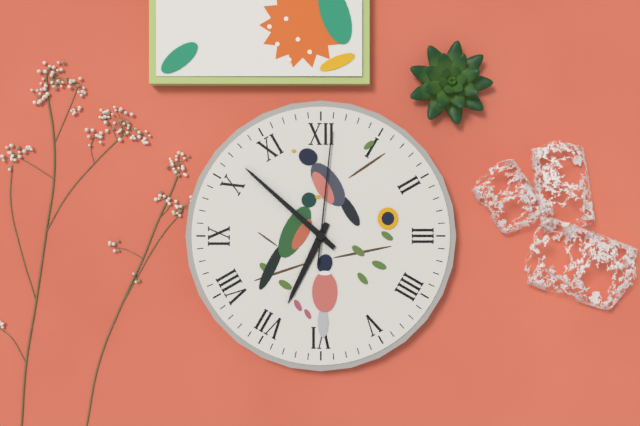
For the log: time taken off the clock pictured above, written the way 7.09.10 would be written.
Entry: 6.52.01
